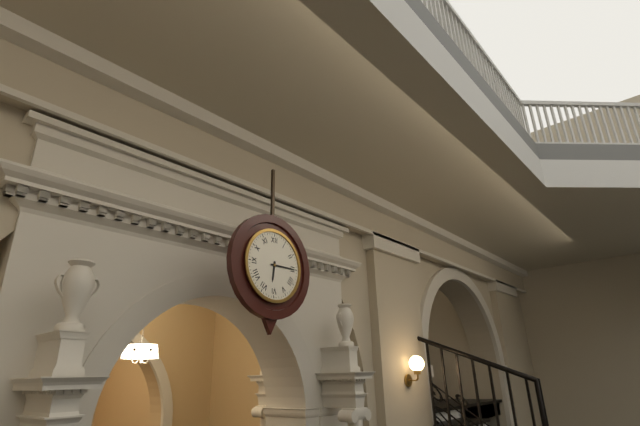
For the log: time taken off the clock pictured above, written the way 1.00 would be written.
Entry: 6.15
